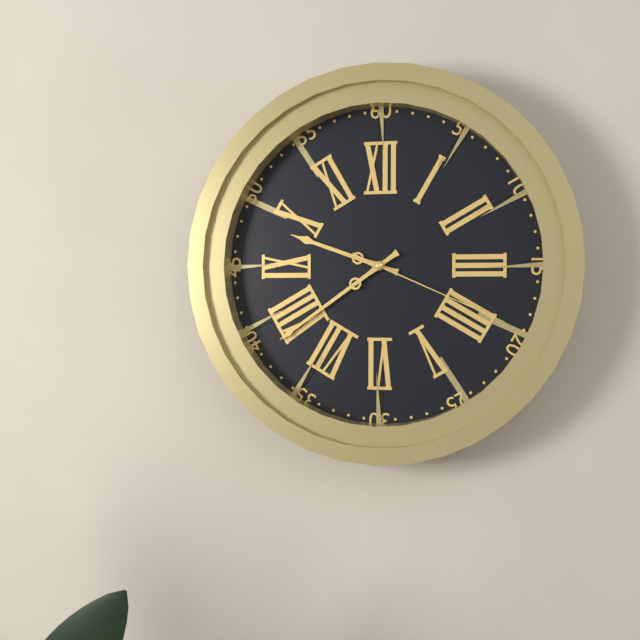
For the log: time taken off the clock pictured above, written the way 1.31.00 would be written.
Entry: 9.39.19
